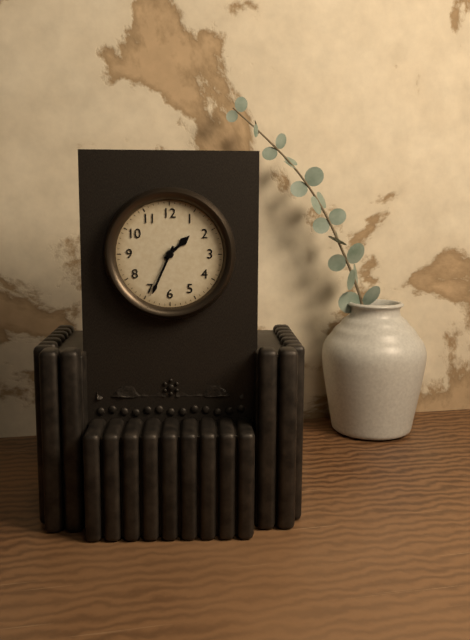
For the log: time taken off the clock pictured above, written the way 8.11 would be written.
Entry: 1.34
